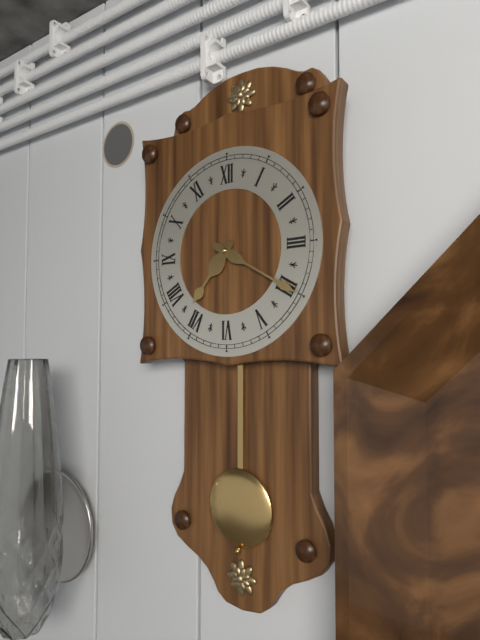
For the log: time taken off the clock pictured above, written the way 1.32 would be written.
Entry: 7.20
